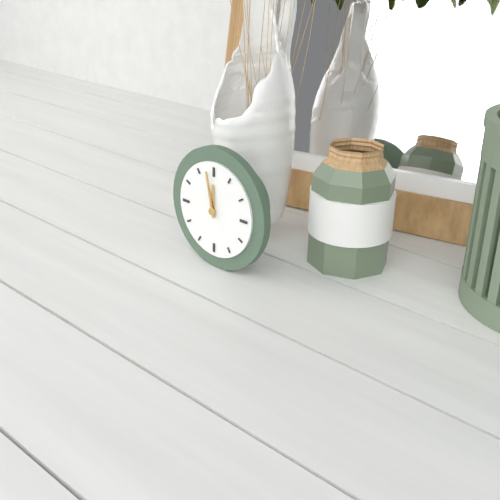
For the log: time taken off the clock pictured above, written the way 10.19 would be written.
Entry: 11.58
